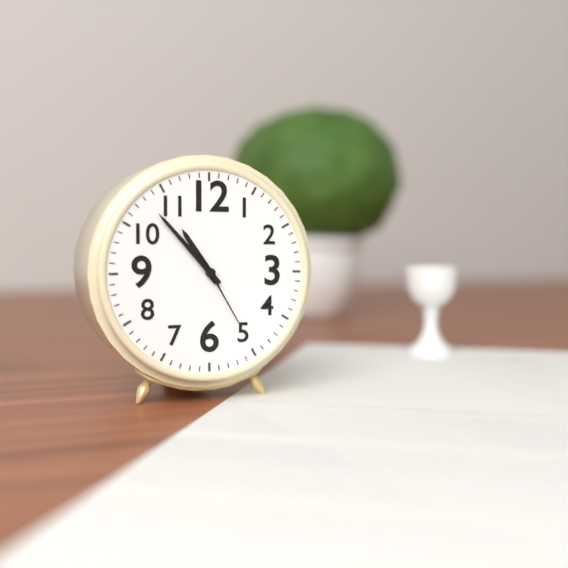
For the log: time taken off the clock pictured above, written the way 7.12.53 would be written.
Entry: 10.53.25
